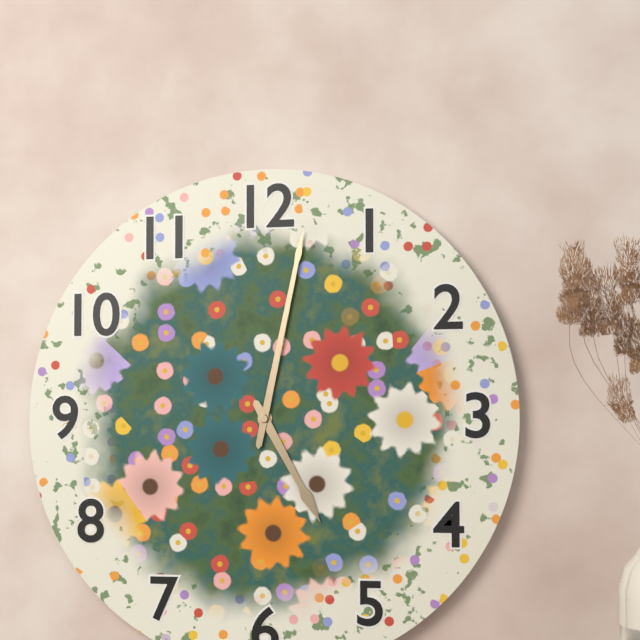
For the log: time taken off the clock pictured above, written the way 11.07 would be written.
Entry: 5.02
